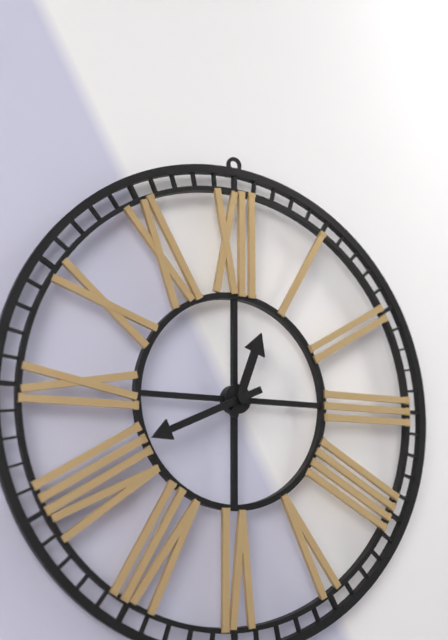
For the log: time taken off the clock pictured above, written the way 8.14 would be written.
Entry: 12.41
